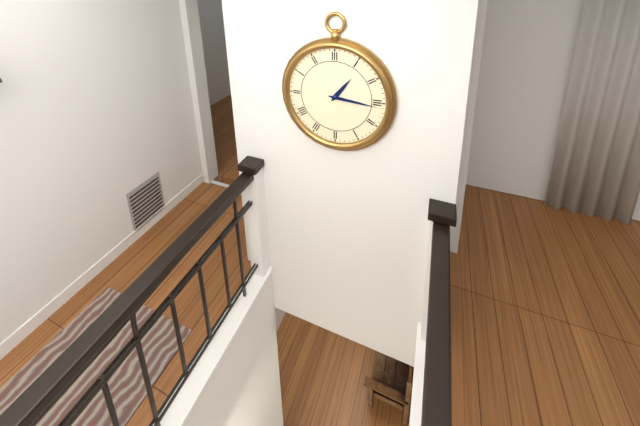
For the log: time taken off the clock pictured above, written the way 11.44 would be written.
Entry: 1.16
